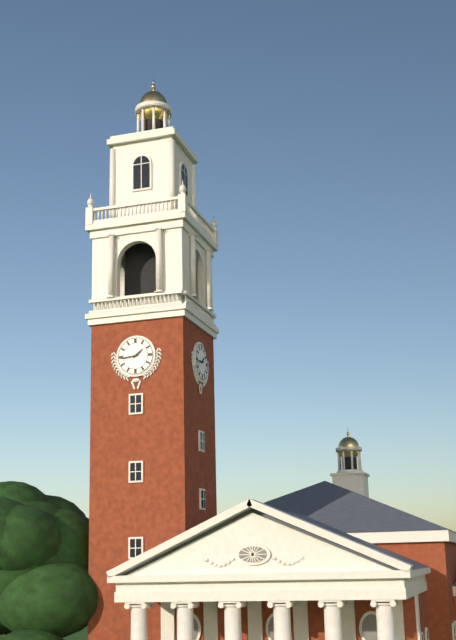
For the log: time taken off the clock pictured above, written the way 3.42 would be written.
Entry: 1.44
